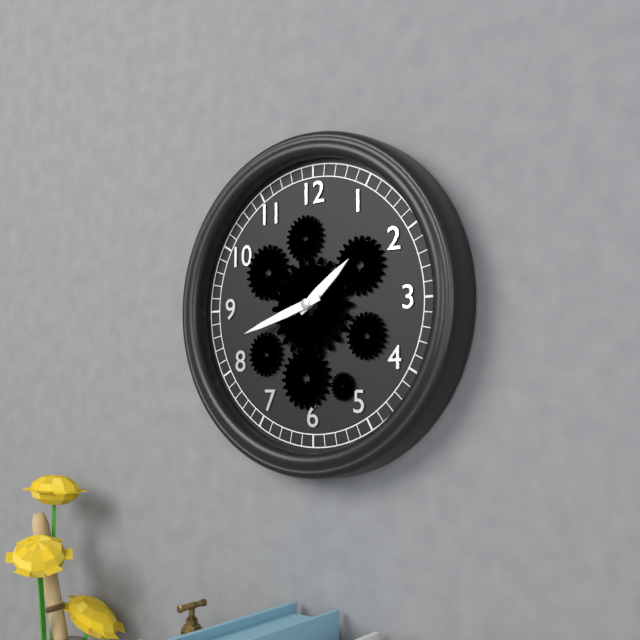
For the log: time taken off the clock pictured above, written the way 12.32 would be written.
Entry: 1.42
